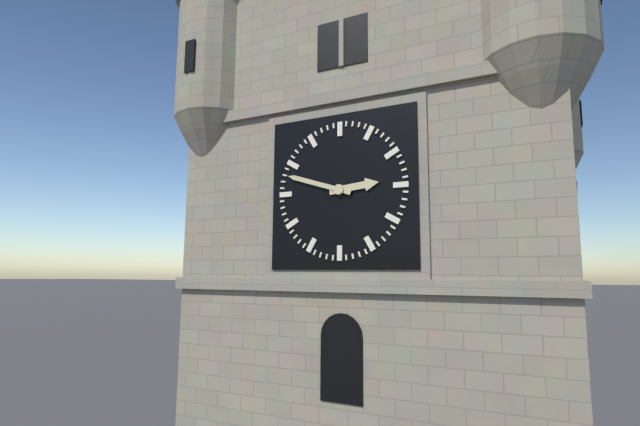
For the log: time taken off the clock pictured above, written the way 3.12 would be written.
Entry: 2.48
